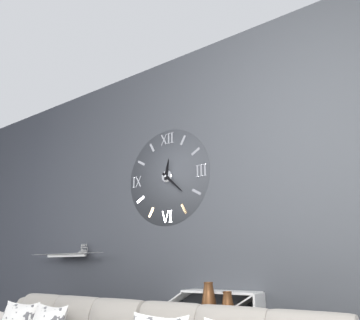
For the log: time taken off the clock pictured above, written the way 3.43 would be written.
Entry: 12.22
